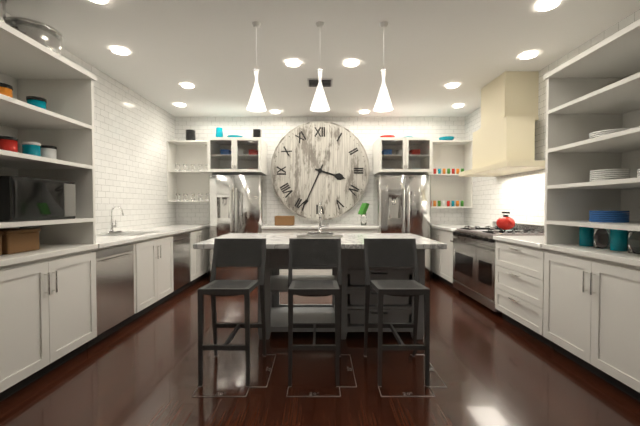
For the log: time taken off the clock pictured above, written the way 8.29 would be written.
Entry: 3.34
